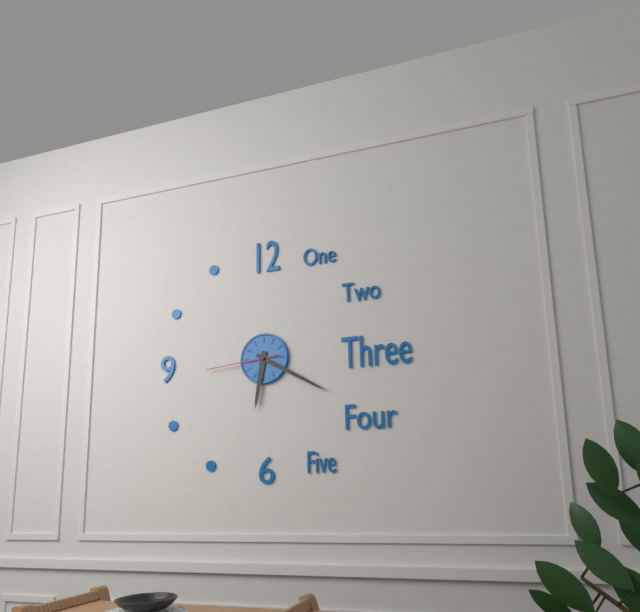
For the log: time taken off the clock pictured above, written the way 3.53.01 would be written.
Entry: 6.20.44
